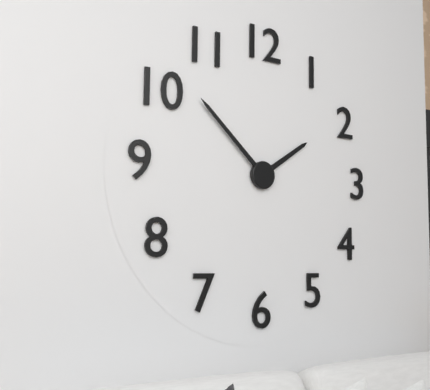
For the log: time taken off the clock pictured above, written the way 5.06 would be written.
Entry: 1.52
